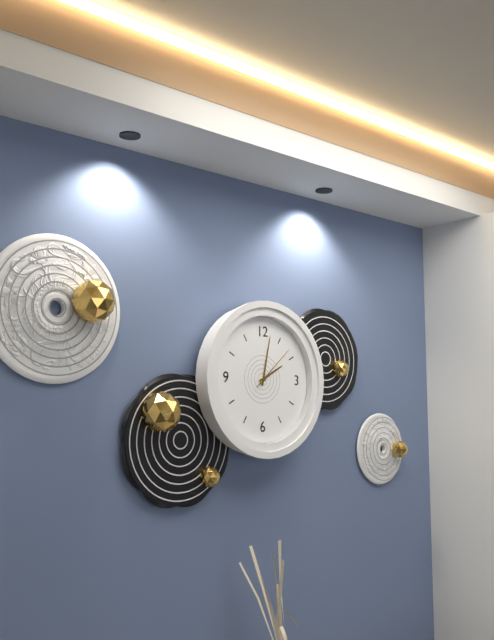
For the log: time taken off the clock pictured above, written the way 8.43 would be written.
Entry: 2.02
